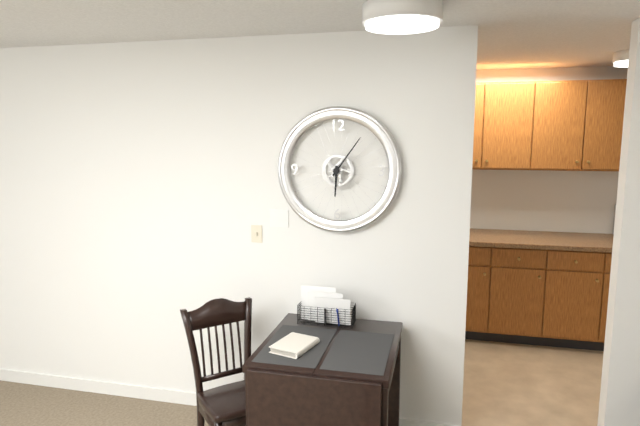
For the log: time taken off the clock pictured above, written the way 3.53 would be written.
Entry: 6.06
